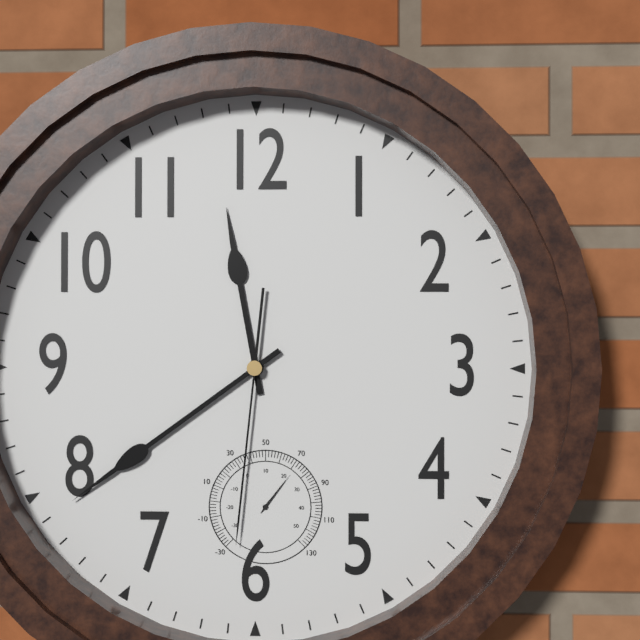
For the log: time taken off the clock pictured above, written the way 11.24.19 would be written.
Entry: 11.39.31
